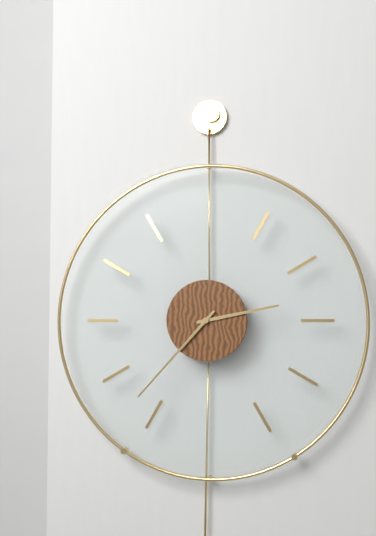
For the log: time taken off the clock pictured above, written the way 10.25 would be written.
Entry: 2.37
